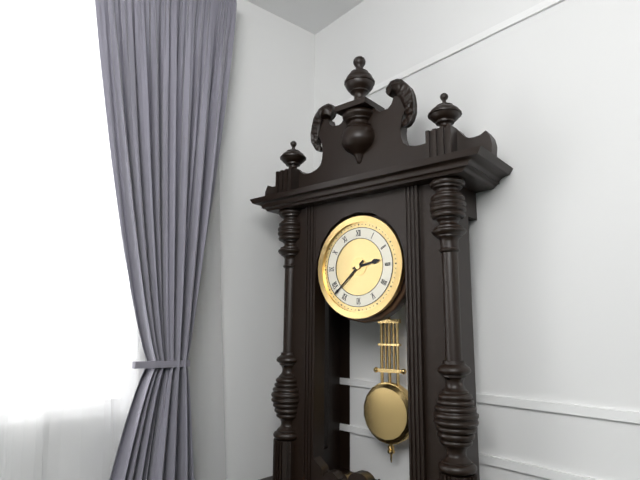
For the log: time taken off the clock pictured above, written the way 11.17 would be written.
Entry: 2.38
